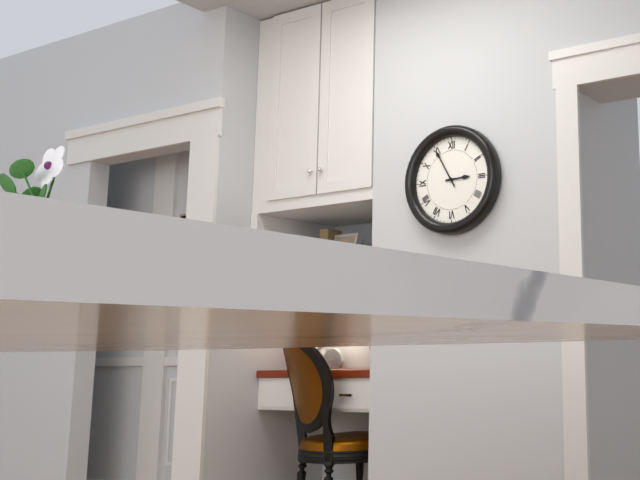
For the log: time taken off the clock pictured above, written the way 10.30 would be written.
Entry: 2.55
